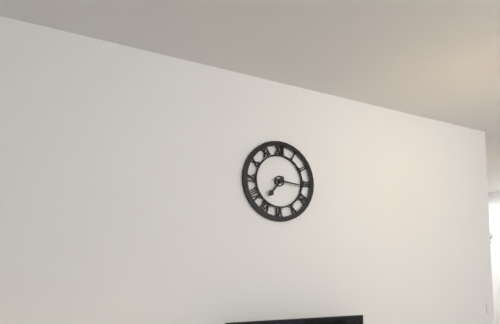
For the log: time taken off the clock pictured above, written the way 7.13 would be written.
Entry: 7.16
